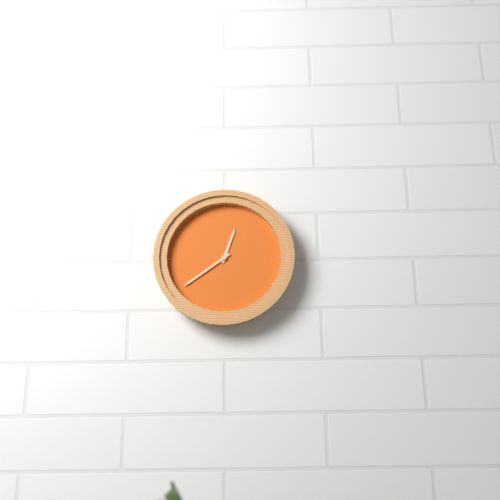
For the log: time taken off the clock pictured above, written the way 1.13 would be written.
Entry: 12.39
